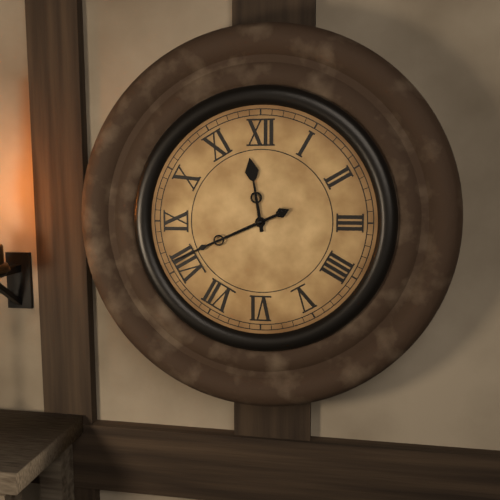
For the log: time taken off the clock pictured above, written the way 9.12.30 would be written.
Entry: 11.41.41
